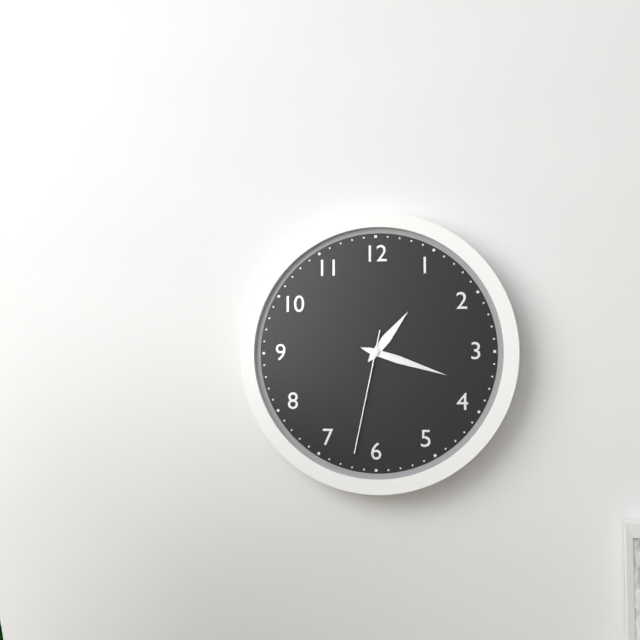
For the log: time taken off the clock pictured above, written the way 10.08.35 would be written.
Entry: 1.18.32
